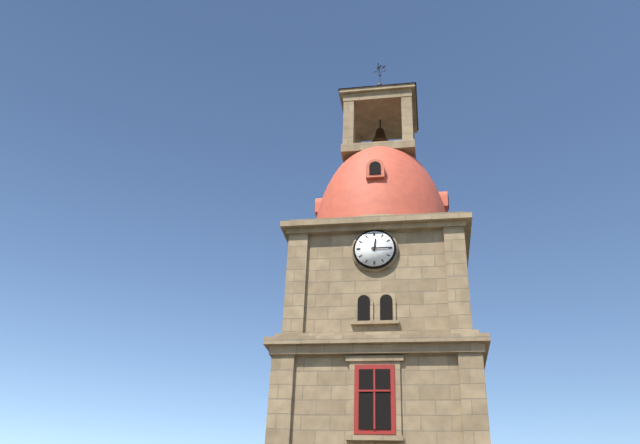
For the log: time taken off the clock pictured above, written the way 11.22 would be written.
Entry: 12.15
